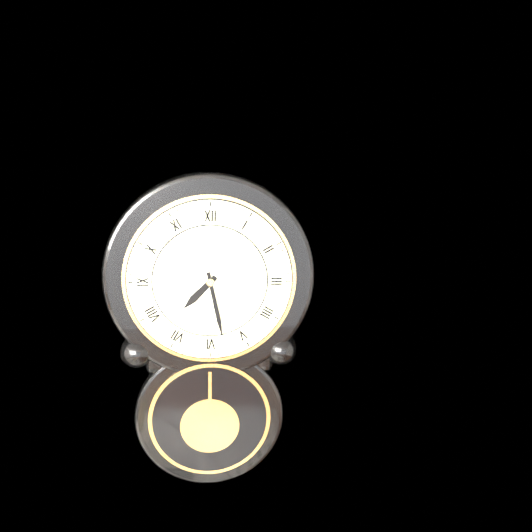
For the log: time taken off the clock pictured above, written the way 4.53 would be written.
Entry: 7.28
